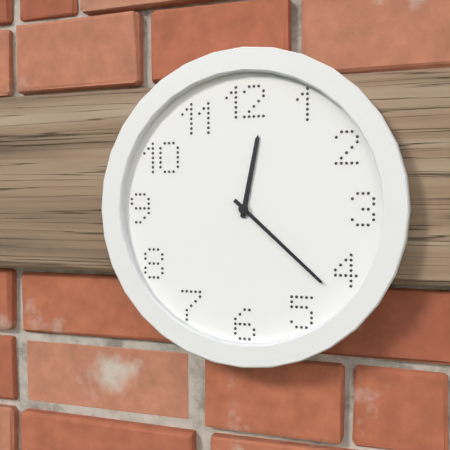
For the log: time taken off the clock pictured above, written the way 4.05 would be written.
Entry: 12.22
